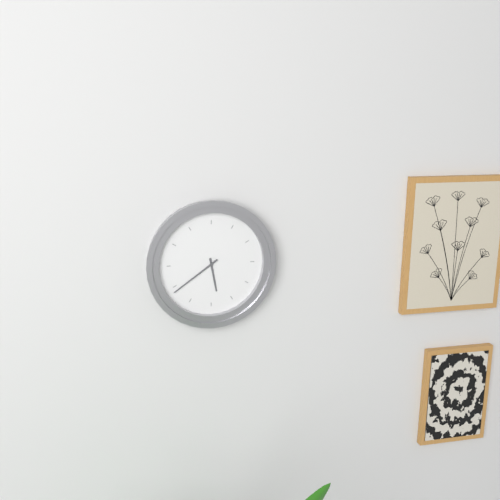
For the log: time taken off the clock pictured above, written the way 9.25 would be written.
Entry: 5.39
